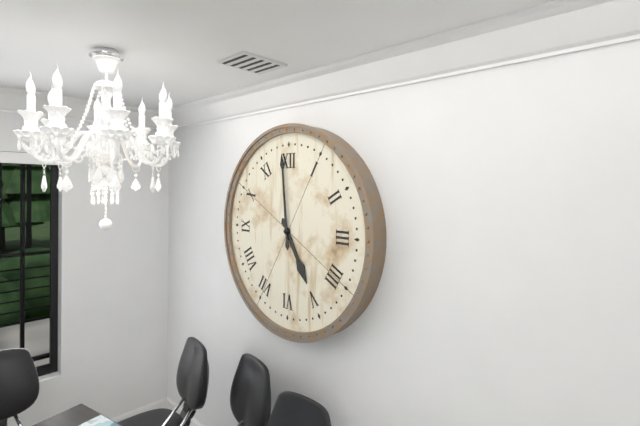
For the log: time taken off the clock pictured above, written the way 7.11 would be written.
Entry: 4.59
